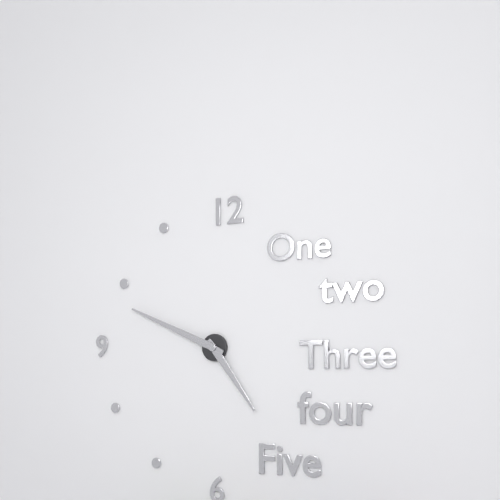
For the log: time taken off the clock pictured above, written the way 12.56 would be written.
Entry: 4.49
